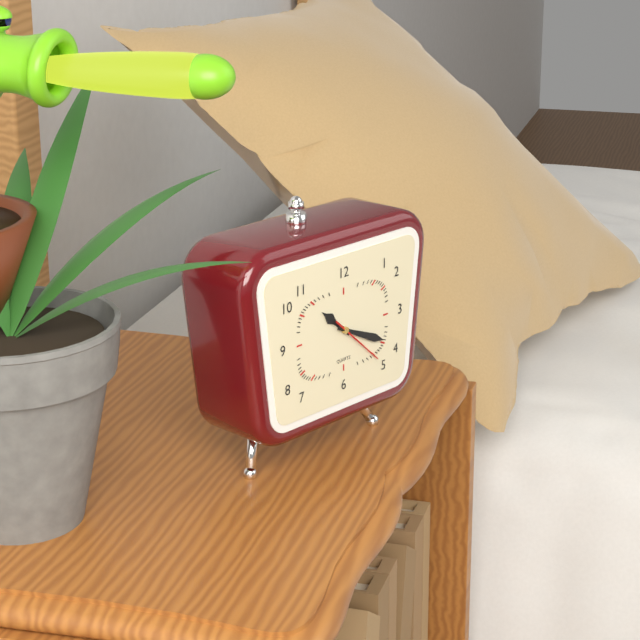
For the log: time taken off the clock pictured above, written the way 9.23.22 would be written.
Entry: 10.19.22
